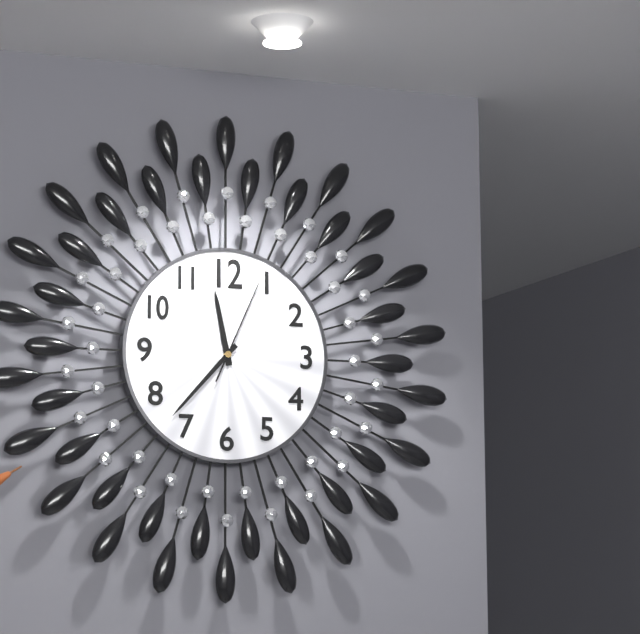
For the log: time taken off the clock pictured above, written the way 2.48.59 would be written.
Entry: 11.37.04
